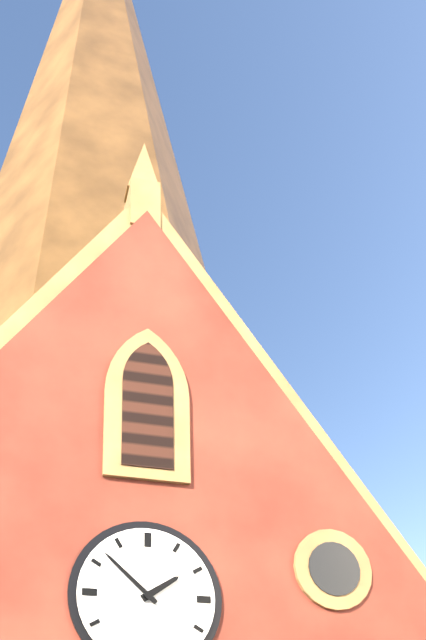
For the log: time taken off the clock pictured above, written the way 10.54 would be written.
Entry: 1.52
